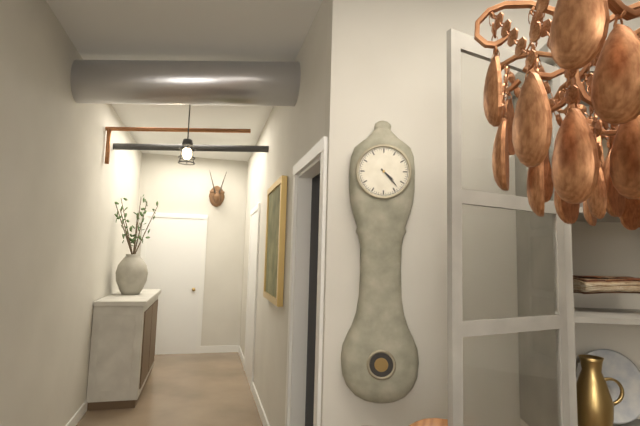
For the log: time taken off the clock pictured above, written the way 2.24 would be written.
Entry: 4.23
